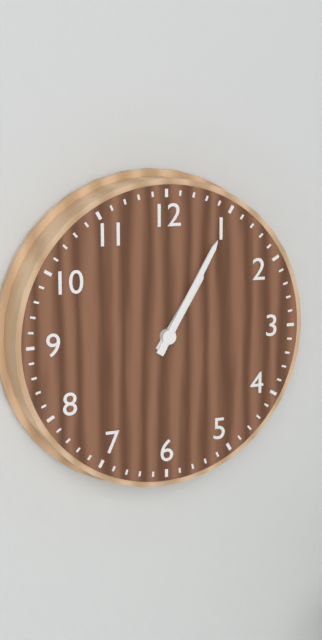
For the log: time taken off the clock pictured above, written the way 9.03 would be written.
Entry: 1.05
